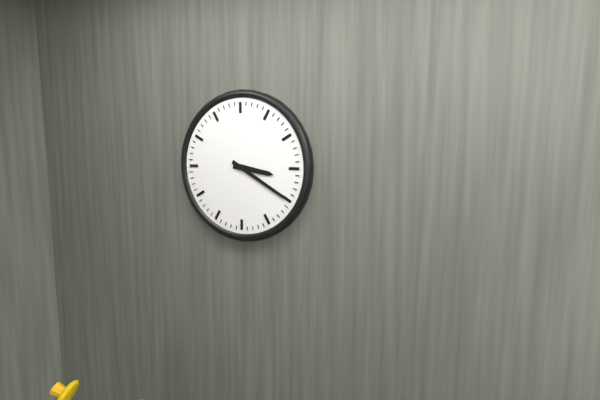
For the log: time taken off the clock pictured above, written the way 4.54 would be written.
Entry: 3.20
